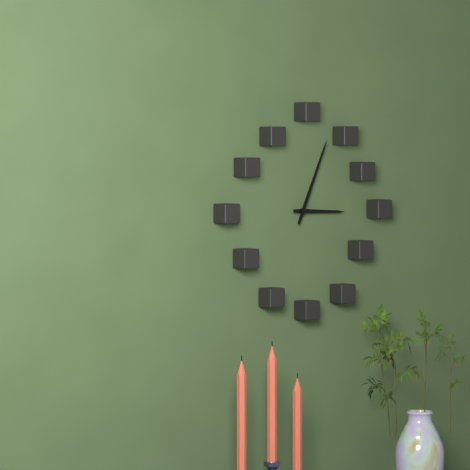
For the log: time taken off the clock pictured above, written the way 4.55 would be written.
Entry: 3.04
